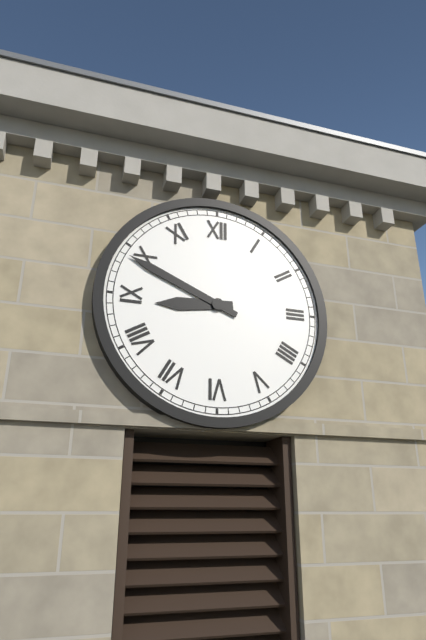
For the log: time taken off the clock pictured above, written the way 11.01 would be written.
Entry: 8.49
